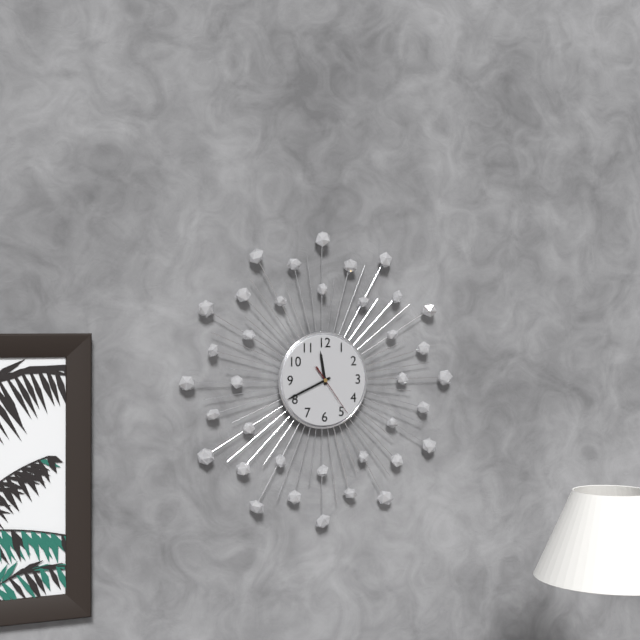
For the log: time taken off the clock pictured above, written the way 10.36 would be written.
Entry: 11.41
